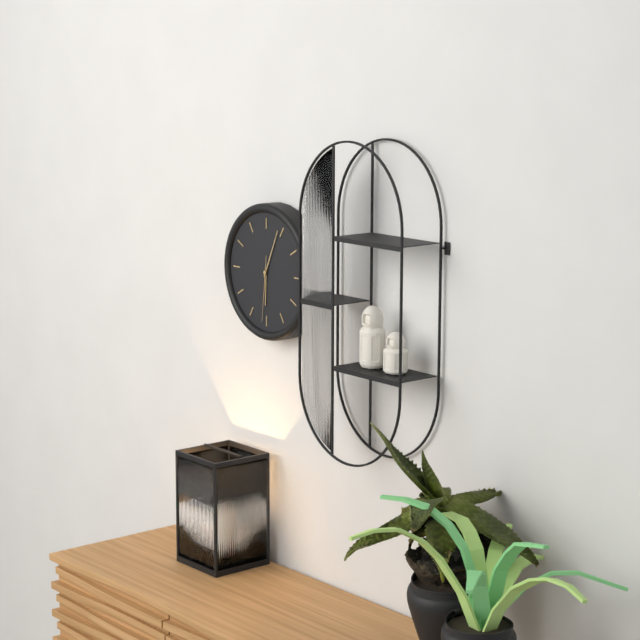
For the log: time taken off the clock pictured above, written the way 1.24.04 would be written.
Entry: 6.04.31
